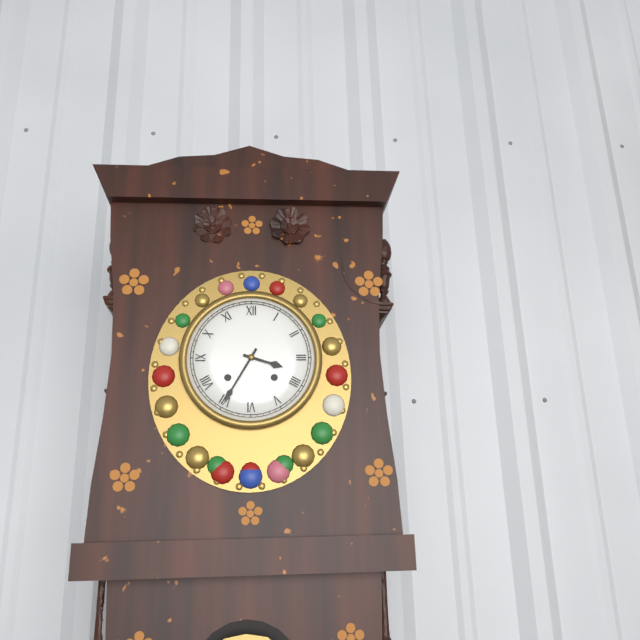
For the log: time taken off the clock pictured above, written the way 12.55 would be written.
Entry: 3.35
